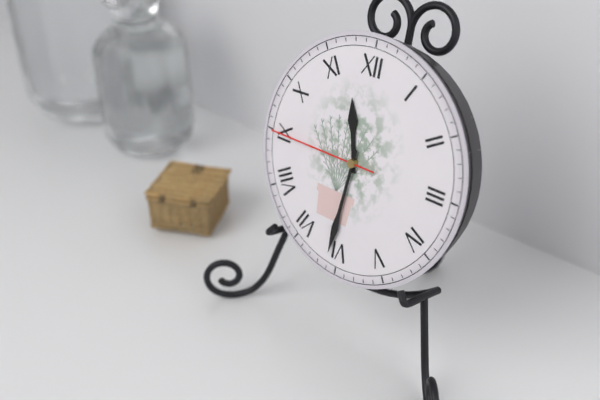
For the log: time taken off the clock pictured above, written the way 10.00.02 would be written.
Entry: 11.31.45
